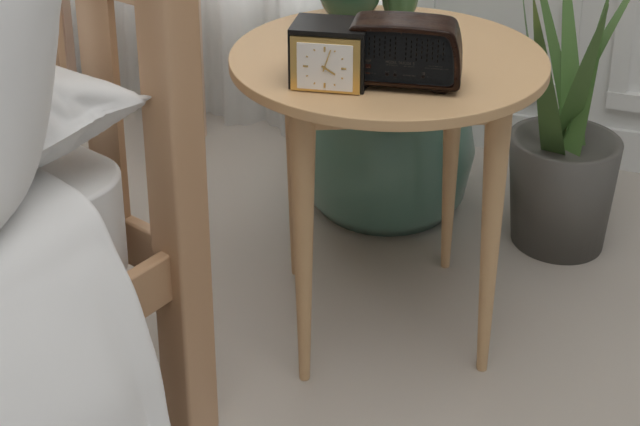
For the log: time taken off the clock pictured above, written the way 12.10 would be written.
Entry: 4.03
